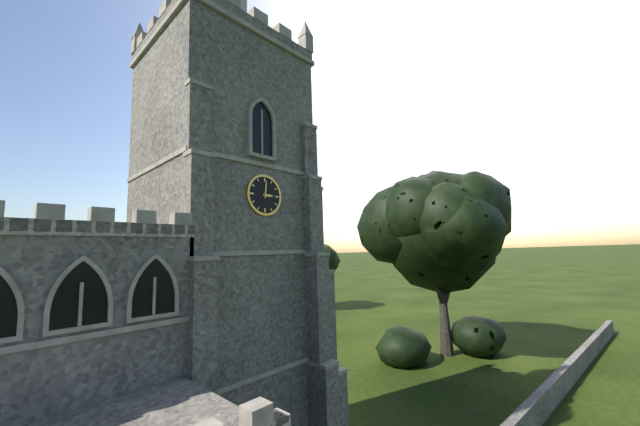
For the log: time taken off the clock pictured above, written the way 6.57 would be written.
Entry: 3.01
